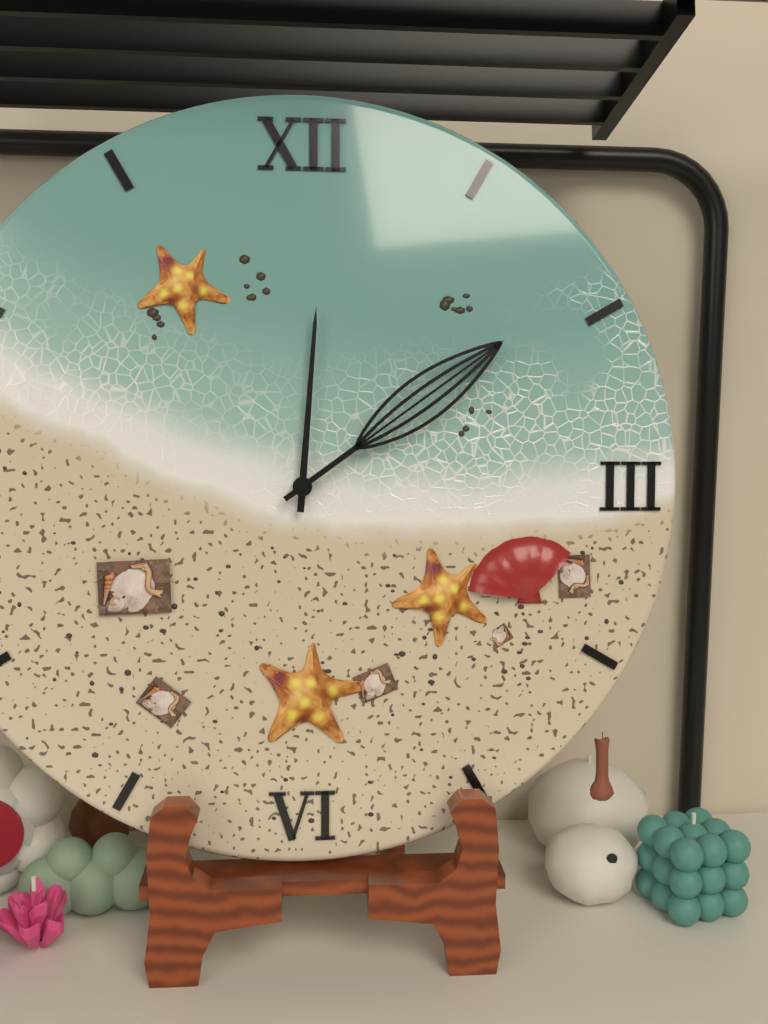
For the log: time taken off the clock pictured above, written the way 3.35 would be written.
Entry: 12.09
